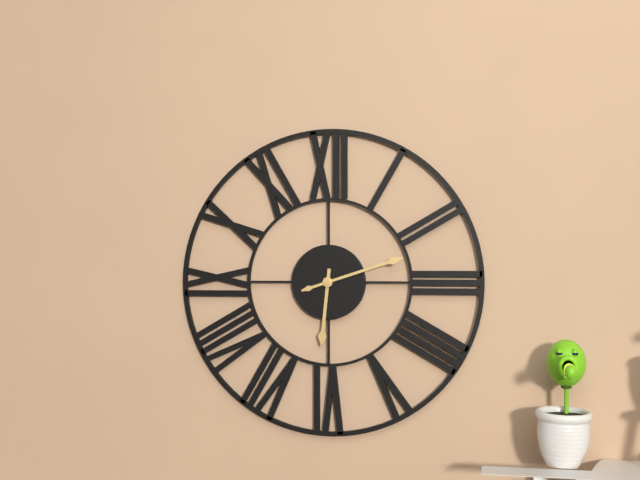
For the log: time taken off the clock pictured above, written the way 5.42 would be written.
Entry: 6.12
